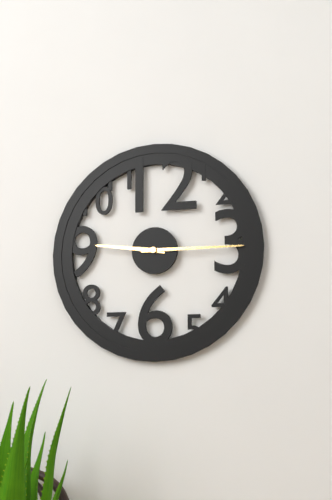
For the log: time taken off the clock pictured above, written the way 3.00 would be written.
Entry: 9.15
